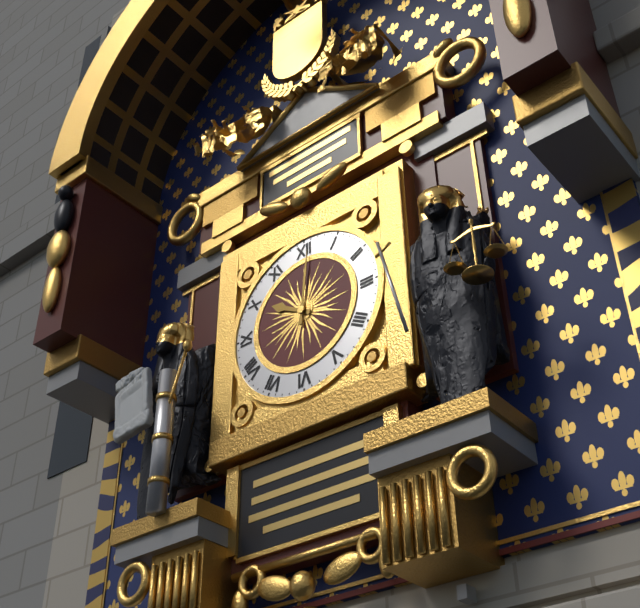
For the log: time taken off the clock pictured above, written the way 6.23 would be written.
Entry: 10.01
